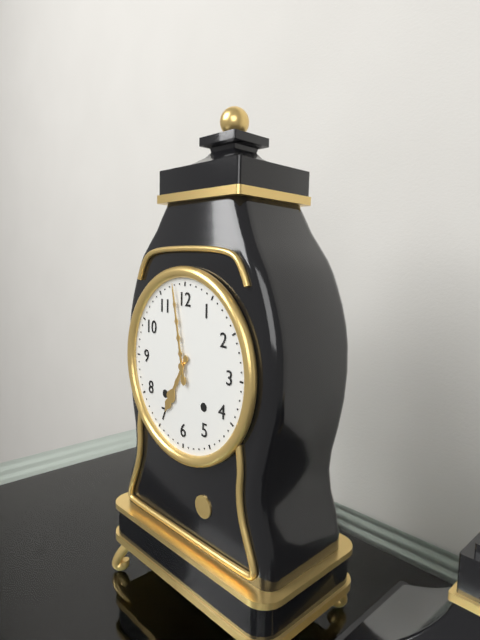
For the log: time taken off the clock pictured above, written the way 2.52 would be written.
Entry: 6.58
